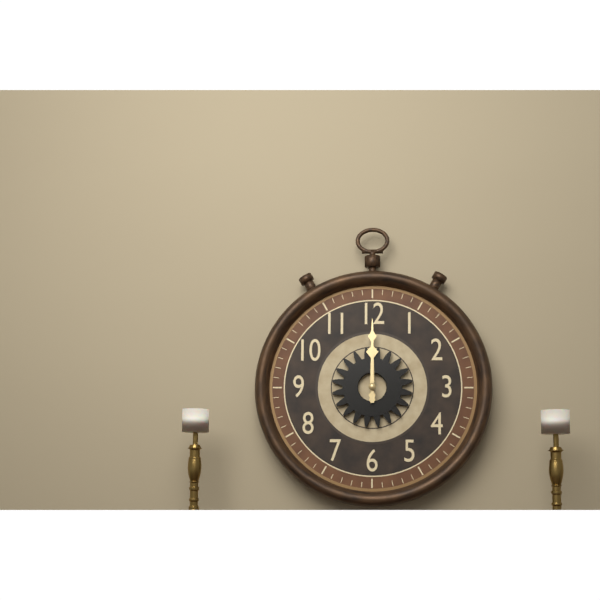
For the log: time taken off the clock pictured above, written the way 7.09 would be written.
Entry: 12.00
